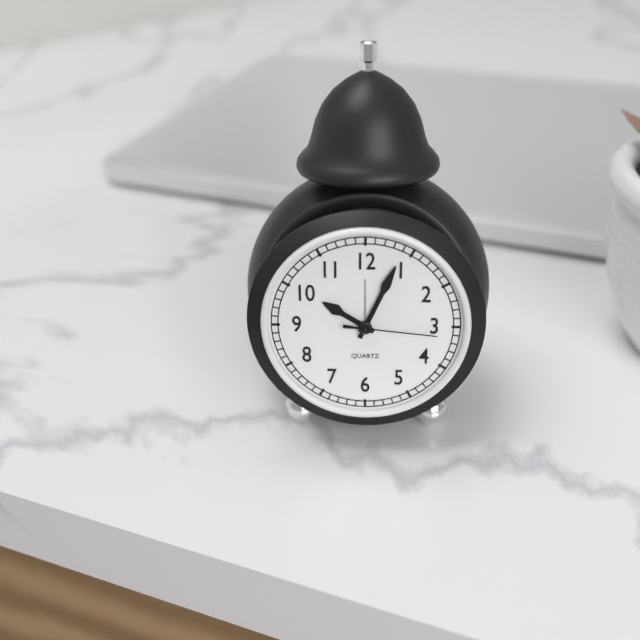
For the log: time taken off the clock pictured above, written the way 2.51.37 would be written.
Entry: 10.04.16
